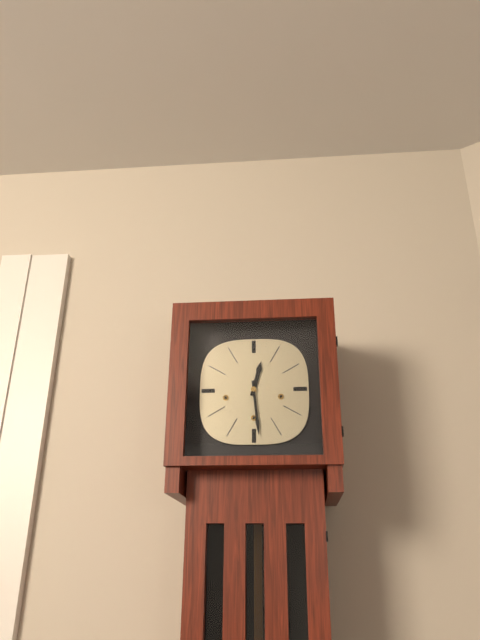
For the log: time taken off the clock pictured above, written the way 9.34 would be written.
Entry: 12.29
